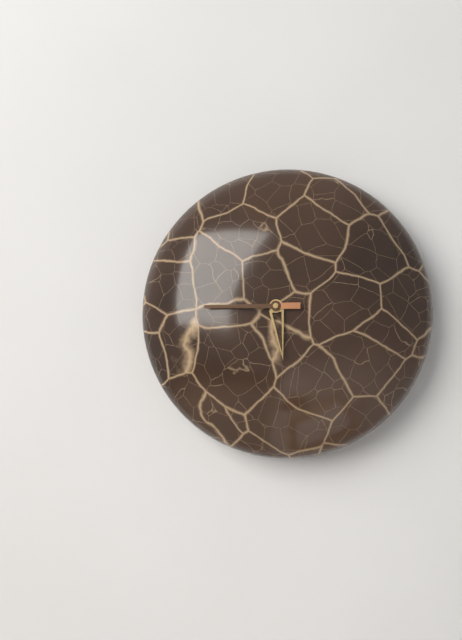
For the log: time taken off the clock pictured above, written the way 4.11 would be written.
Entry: 5.45
